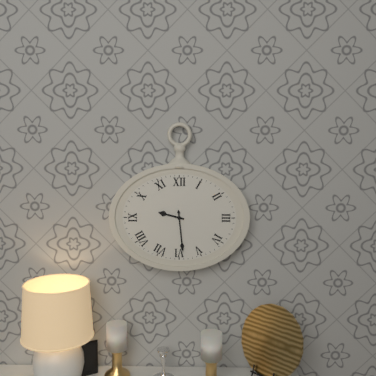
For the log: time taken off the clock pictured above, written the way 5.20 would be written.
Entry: 9.29
